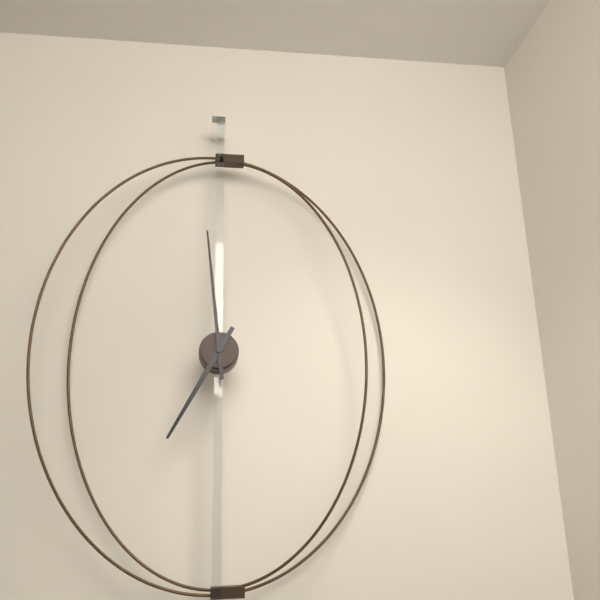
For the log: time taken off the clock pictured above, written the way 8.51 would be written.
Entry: 6.59
